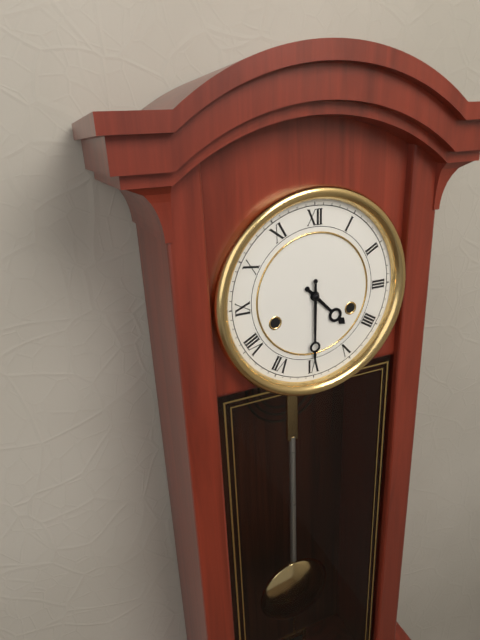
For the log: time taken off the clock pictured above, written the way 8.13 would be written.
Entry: 4.30
